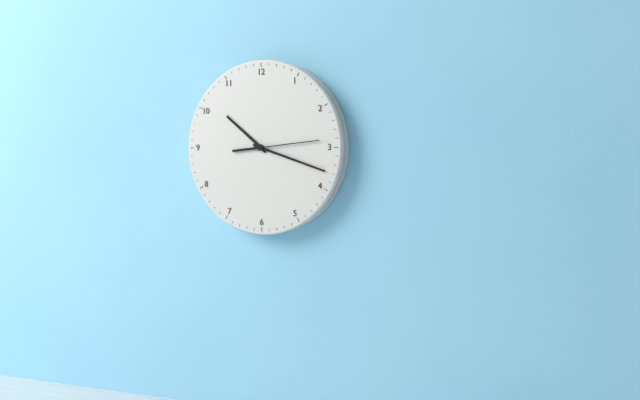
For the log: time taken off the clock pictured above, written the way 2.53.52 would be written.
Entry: 10.18.14
